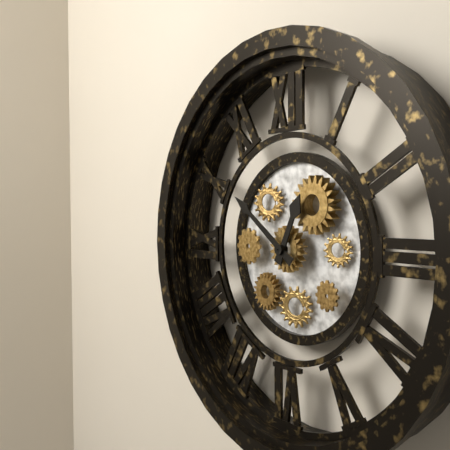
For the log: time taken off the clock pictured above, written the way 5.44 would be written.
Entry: 12.51
